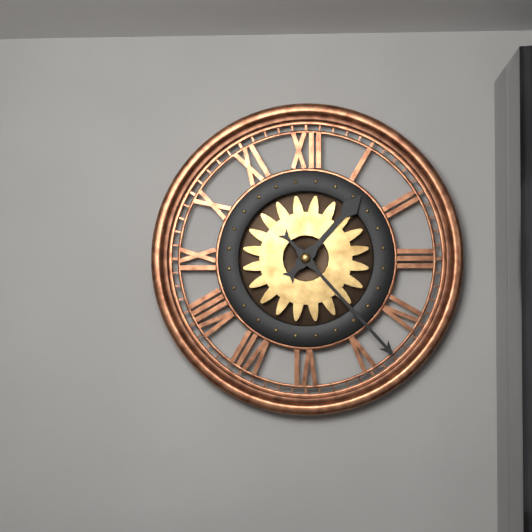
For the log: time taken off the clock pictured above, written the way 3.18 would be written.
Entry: 1.23
